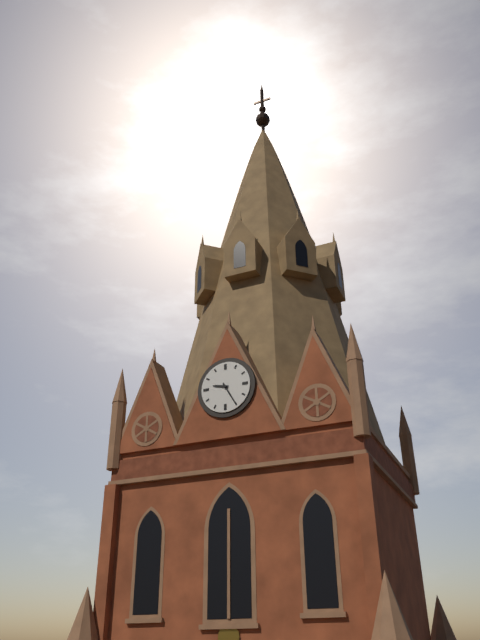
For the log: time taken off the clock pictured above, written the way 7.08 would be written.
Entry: 9.25
